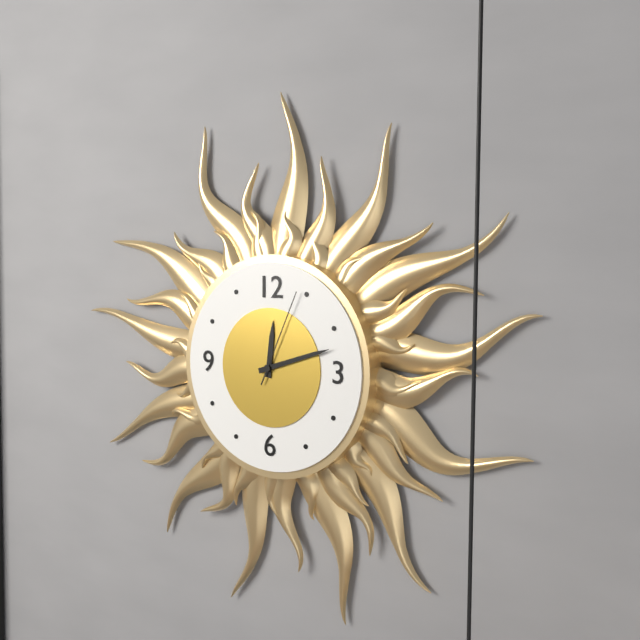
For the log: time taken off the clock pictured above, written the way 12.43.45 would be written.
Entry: 12.12.04
